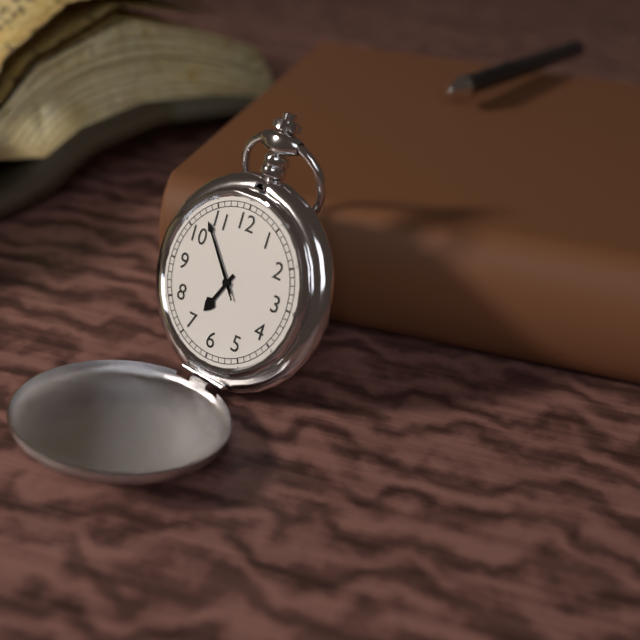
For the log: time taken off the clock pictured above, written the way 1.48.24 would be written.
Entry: 6.53.53
